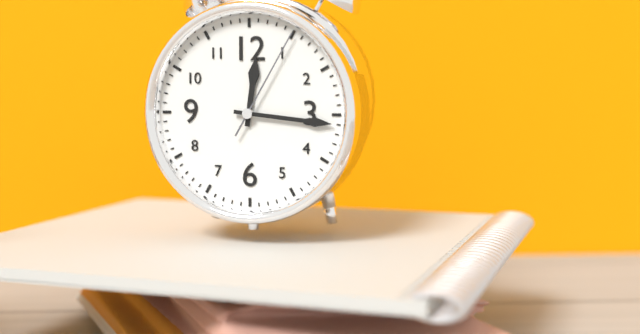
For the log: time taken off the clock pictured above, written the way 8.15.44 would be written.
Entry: 12.16.05
